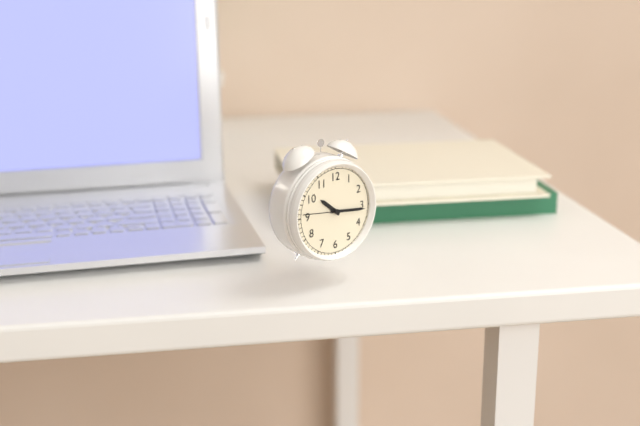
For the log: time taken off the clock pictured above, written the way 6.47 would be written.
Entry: 10.16
